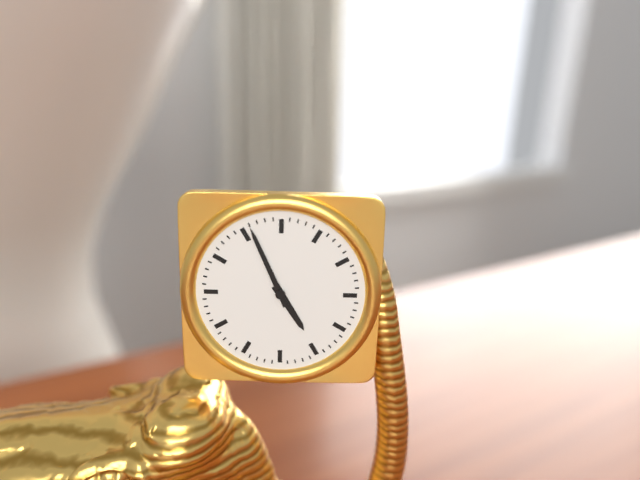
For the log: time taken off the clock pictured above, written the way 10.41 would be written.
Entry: 4.56
